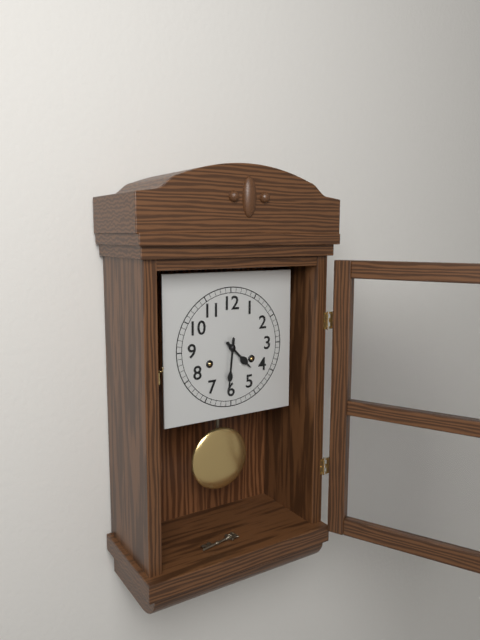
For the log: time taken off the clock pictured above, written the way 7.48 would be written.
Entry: 4.31
